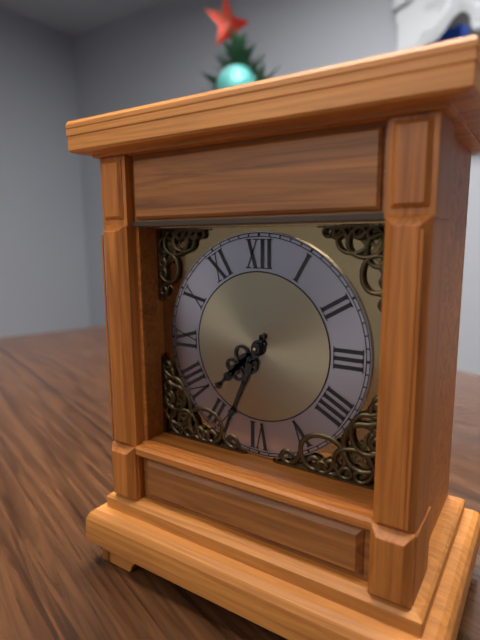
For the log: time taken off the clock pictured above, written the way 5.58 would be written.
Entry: 7.34
